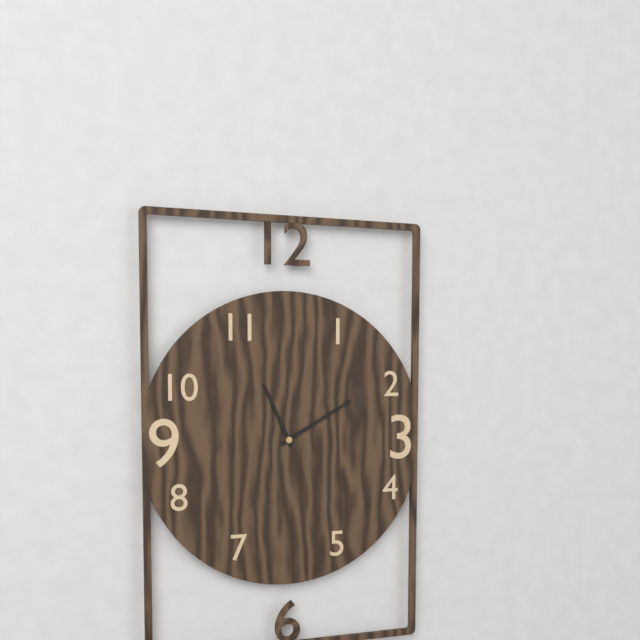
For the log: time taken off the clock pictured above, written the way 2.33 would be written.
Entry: 11.10
